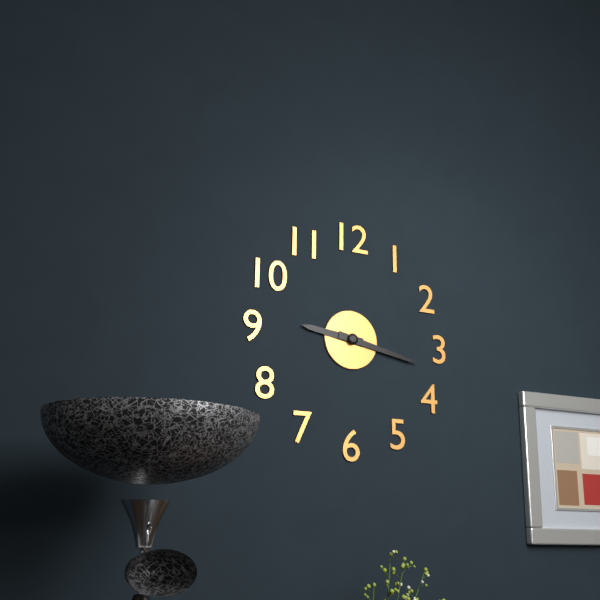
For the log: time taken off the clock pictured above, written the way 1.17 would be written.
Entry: 9.17
